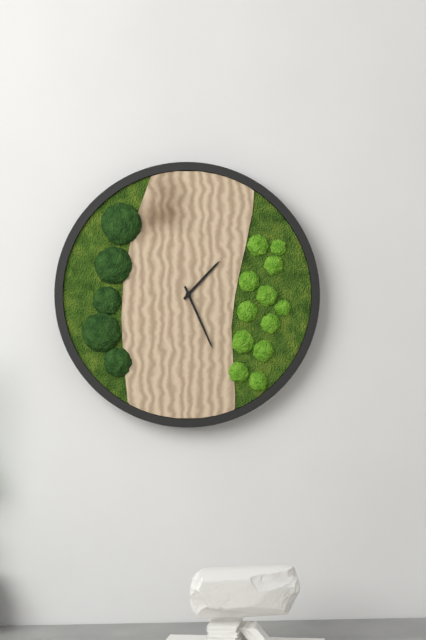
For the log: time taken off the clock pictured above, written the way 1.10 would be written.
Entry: 1.26
